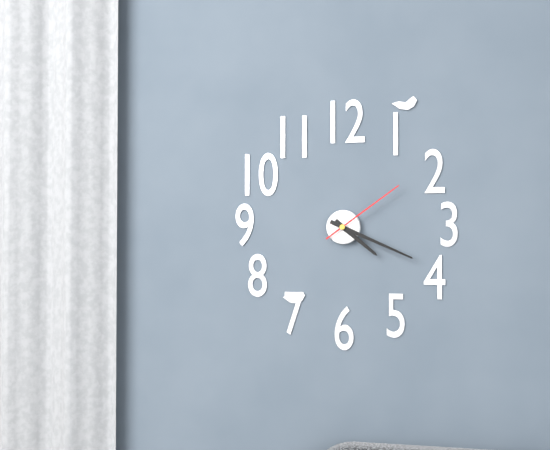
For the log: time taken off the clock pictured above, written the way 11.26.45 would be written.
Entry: 4.19.09
